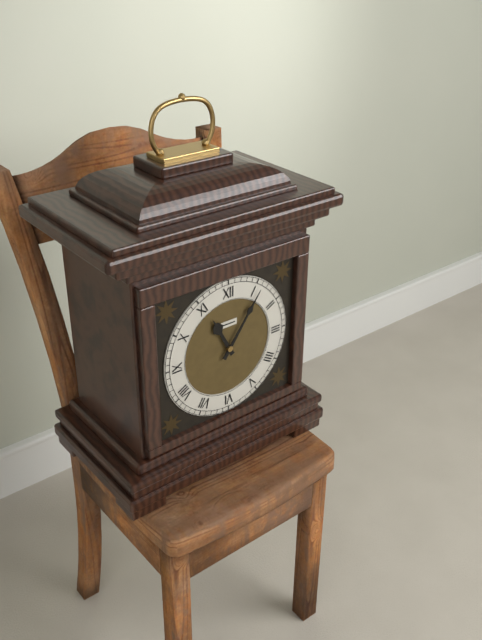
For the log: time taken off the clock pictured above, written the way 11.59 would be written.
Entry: 11.06
